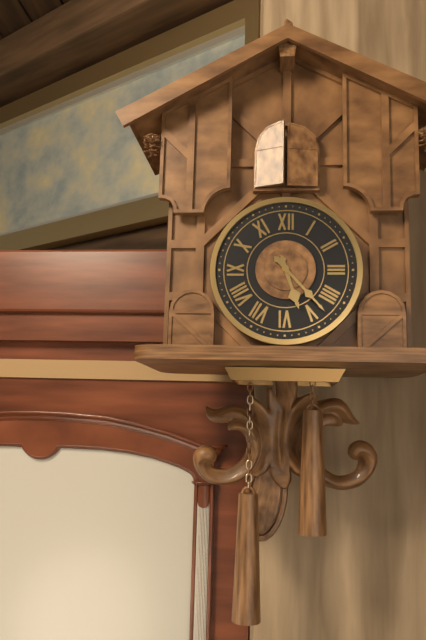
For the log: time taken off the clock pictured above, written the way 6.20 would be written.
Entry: 5.23
